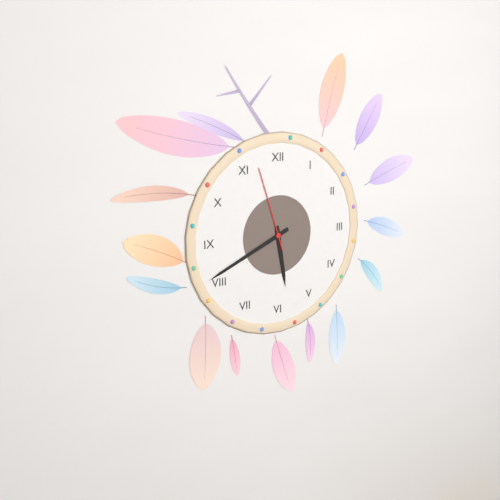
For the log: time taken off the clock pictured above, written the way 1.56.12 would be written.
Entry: 5.41.57
